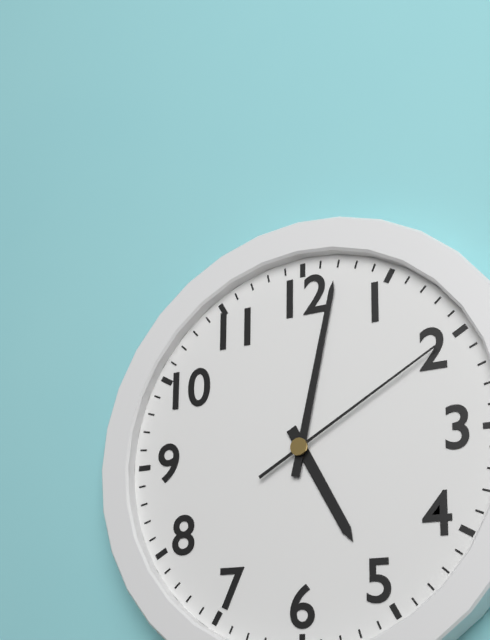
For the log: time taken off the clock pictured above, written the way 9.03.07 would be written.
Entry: 5.02.10
